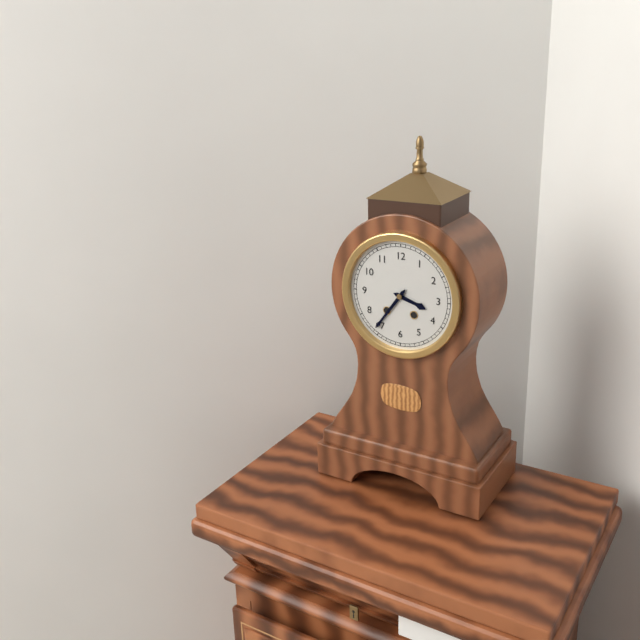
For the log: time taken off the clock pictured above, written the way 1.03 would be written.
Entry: 3.36
